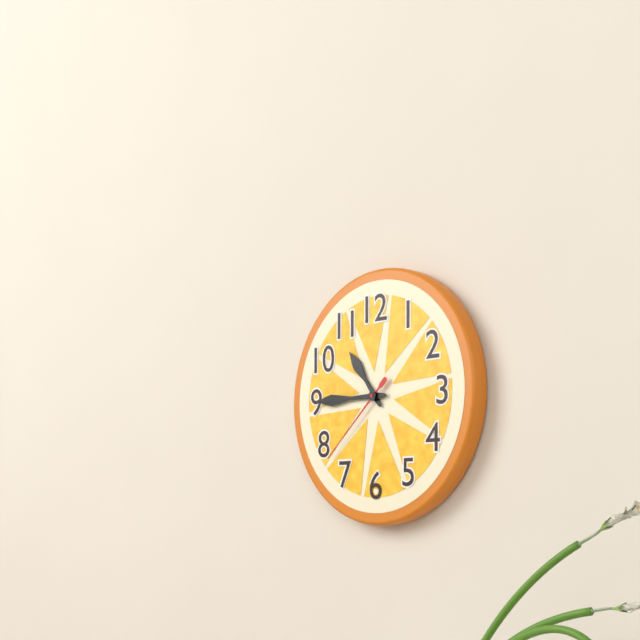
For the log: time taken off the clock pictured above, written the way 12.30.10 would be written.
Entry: 10.45.38
